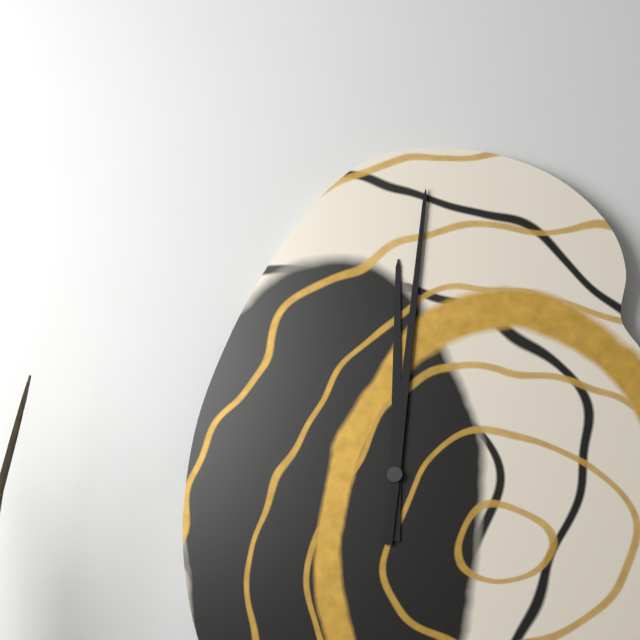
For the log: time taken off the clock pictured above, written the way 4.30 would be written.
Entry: 12.01
